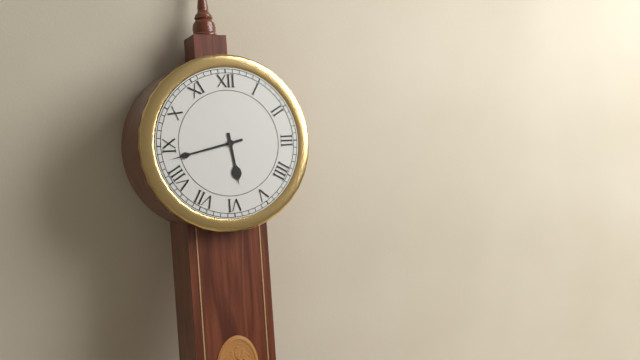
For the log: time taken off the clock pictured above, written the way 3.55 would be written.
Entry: 5.43
